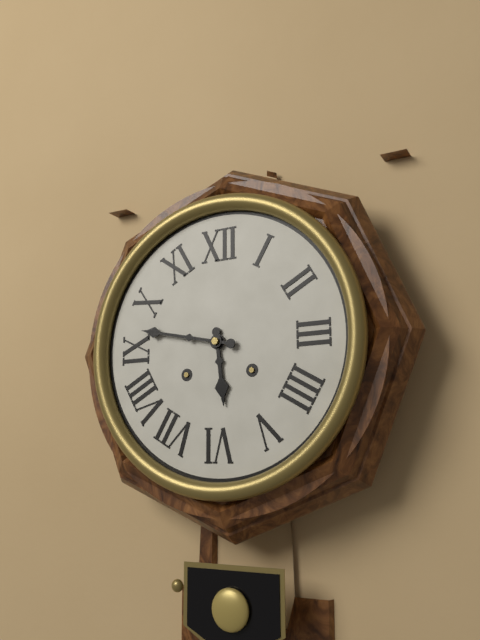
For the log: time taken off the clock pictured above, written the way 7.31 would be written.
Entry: 5.47
